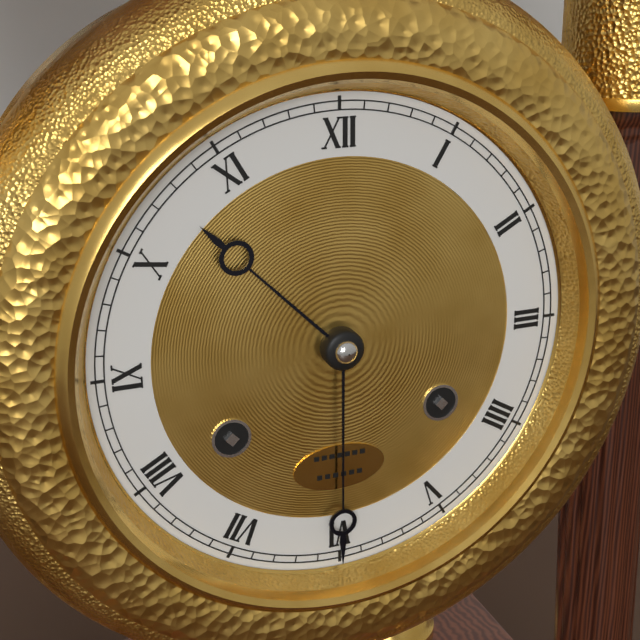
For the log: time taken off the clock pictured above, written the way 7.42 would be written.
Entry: 10.30
